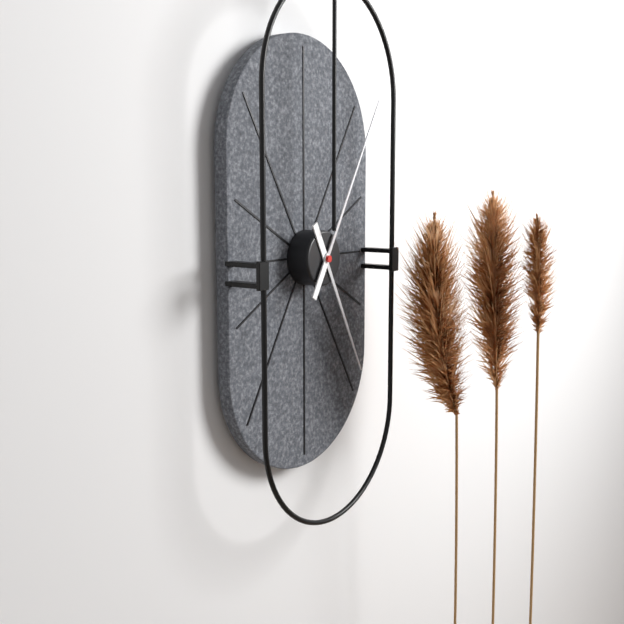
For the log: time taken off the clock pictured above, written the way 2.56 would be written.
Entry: 5.05
